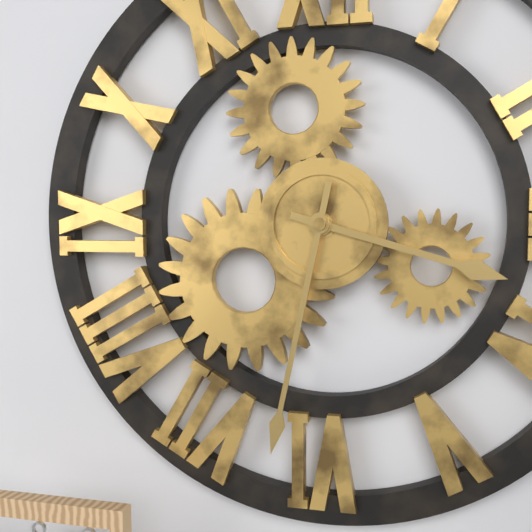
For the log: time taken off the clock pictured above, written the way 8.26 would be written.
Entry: 3.32
